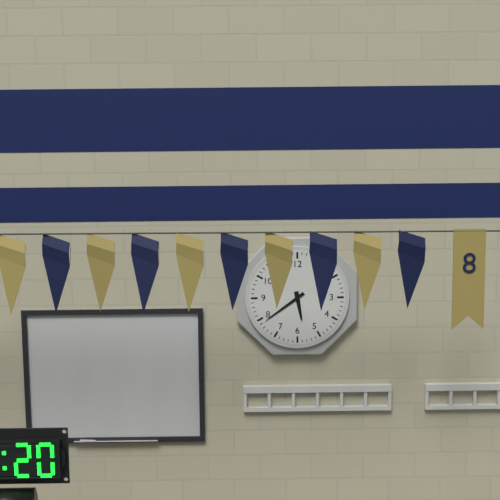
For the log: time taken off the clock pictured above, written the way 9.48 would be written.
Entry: 5.39
